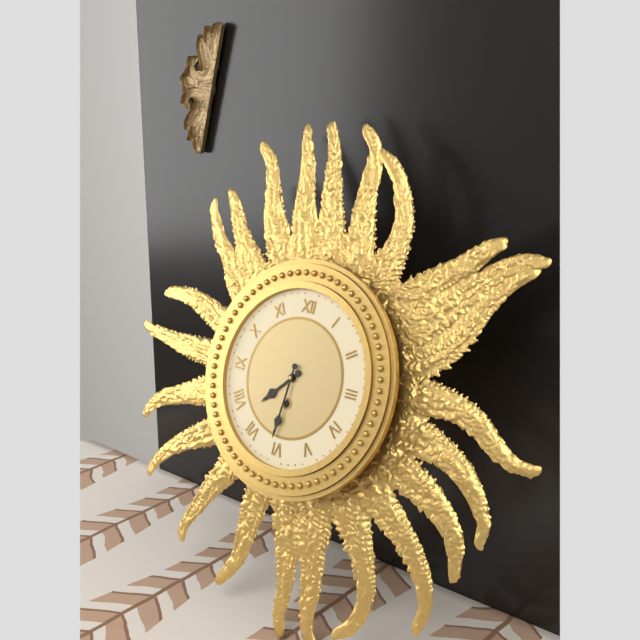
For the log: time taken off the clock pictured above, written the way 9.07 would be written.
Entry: 7.31
